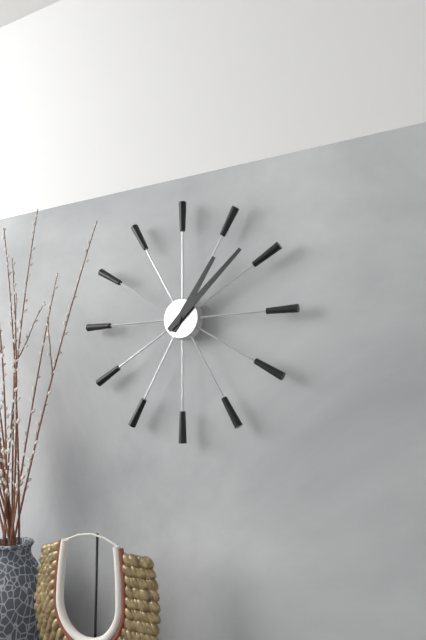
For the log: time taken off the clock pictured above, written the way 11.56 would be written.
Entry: 1.08
